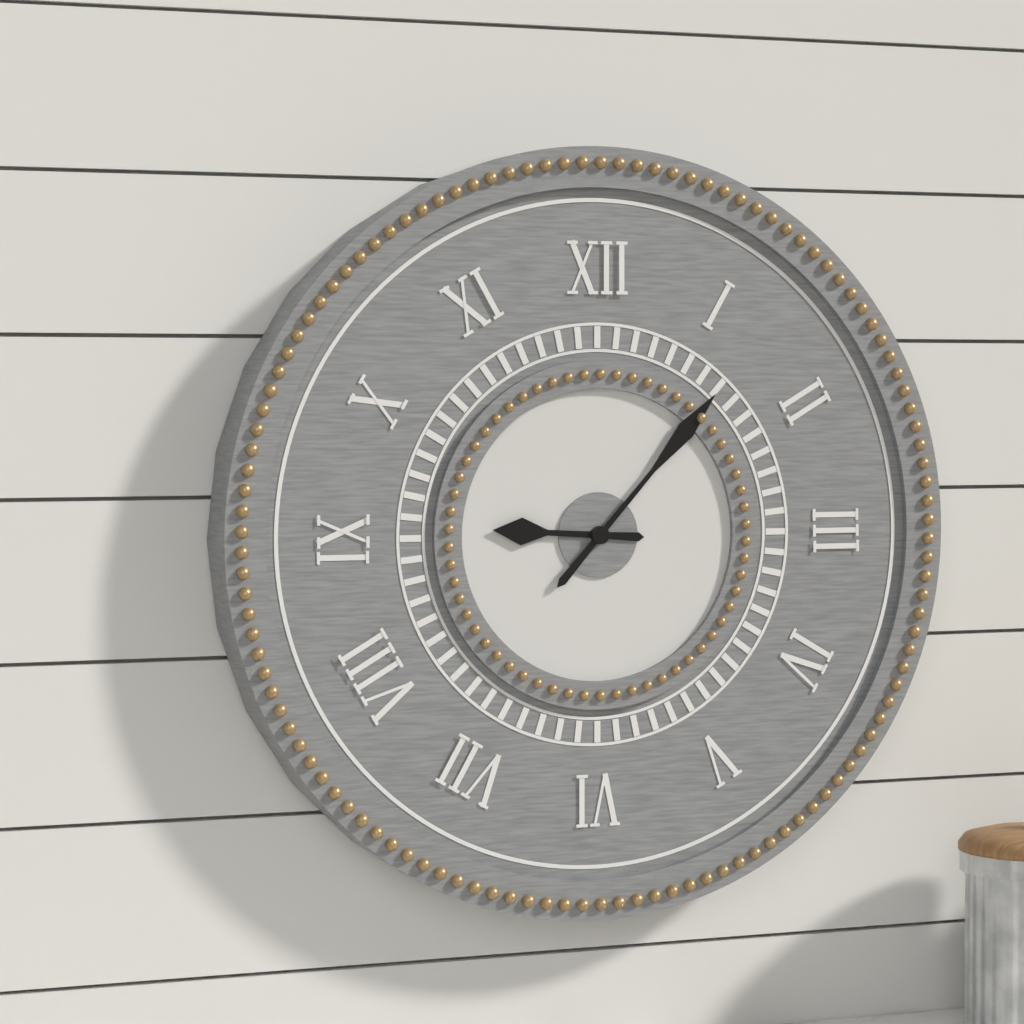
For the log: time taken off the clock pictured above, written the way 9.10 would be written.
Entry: 9.07
